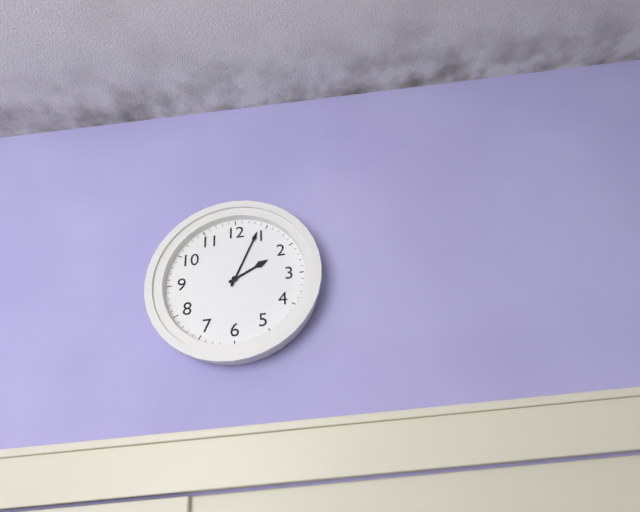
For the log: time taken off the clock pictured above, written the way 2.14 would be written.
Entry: 2.04
